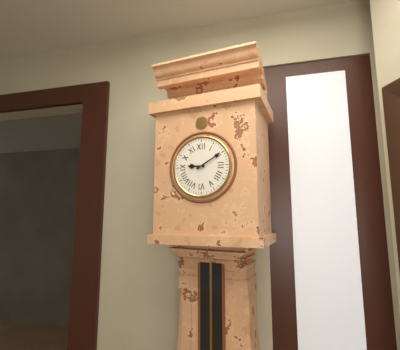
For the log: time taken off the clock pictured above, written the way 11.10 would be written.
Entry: 9.10
